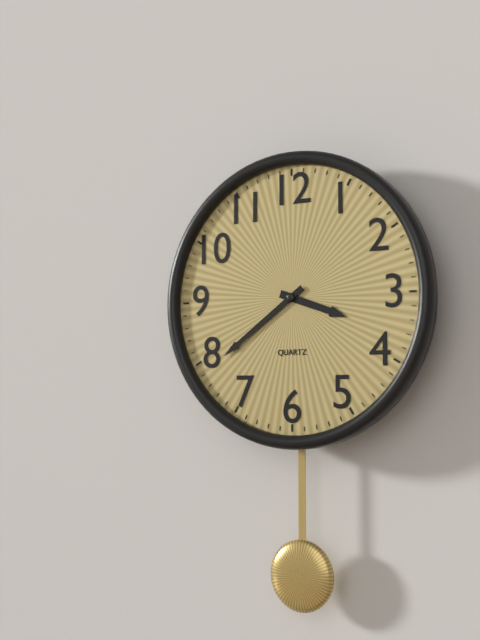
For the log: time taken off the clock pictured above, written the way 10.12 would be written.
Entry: 3.39
